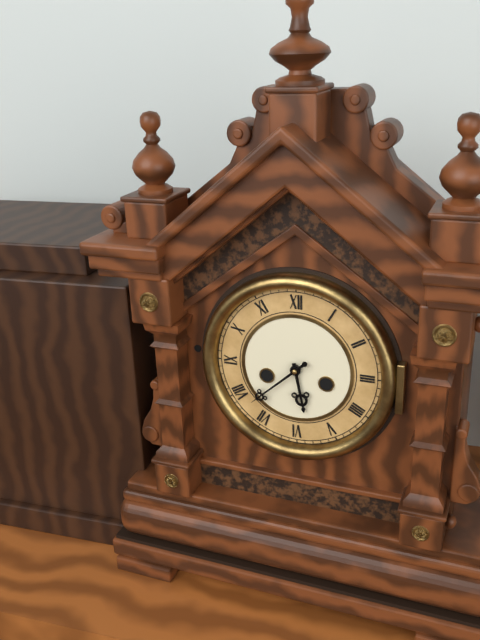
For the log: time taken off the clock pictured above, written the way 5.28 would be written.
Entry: 5.38
